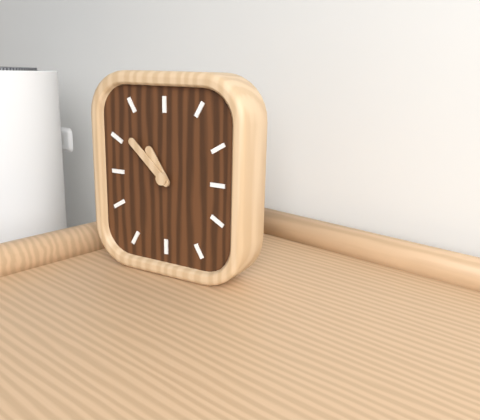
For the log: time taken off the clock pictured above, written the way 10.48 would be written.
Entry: 10.52
